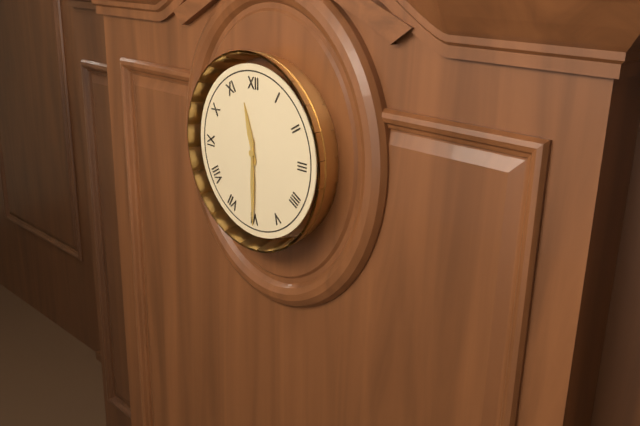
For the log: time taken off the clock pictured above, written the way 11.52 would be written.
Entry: 11.30
